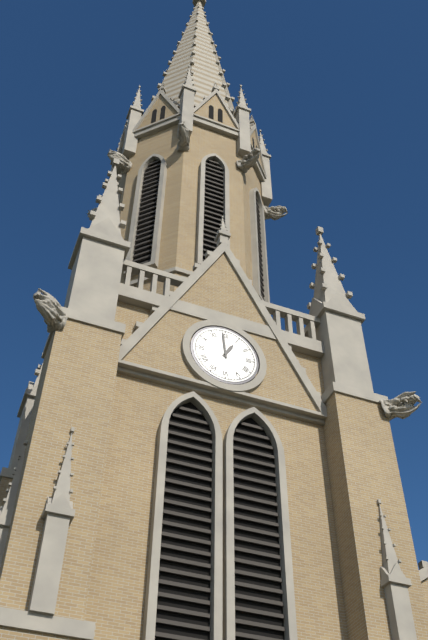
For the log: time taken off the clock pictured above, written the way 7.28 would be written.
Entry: 12.59
